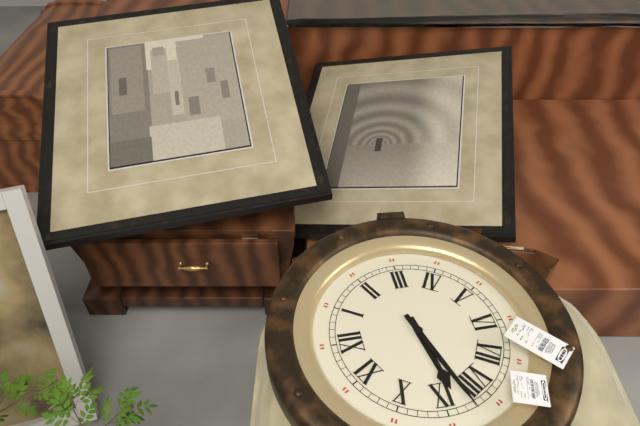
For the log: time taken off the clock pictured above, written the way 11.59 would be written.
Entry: 8.42
